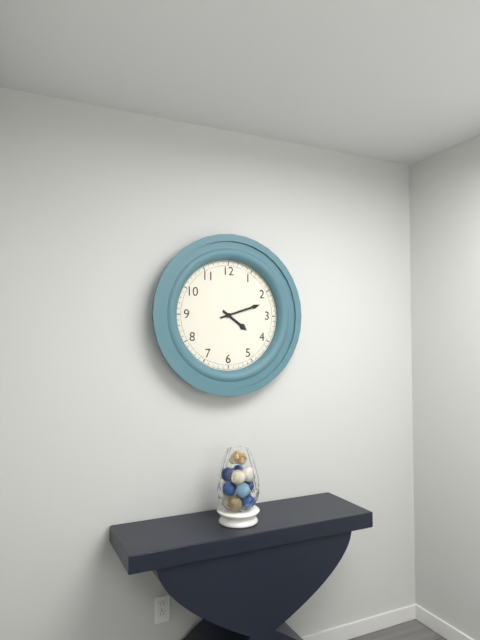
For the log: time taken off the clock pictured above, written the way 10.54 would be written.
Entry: 4.12
